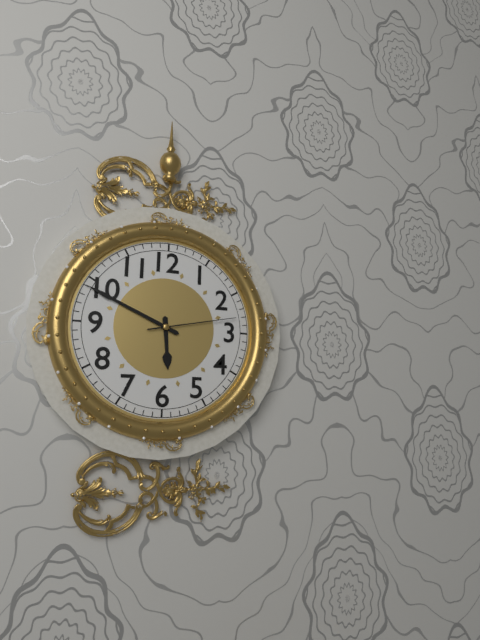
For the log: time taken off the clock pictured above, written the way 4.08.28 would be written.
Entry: 5.49.13
